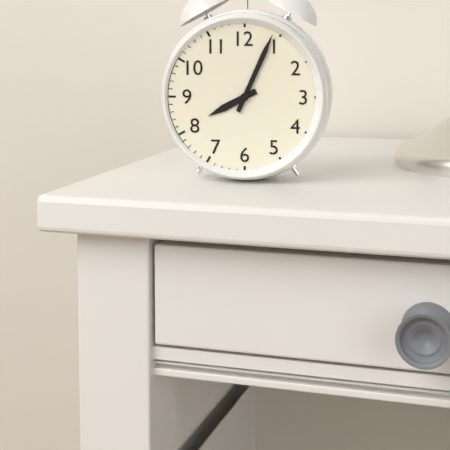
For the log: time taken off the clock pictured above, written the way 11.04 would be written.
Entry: 8.04
